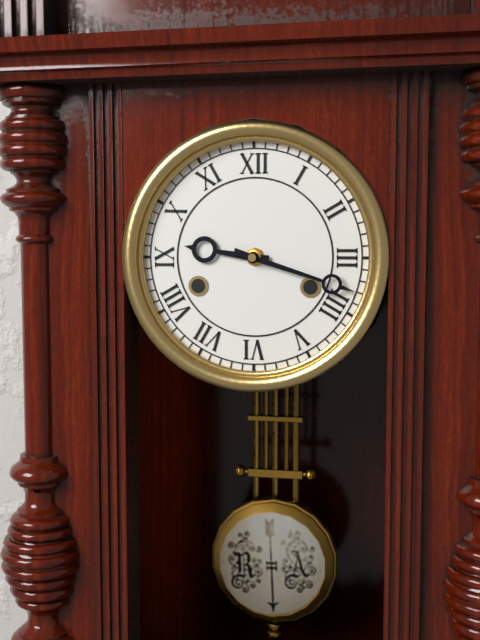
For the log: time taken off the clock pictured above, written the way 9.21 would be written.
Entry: 9.18
